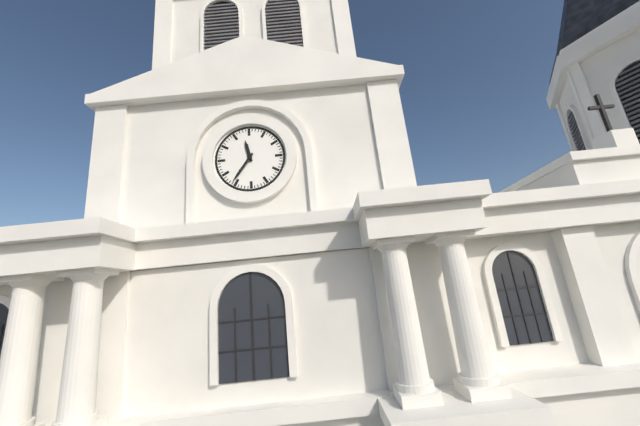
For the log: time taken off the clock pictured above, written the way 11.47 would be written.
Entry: 11.36
